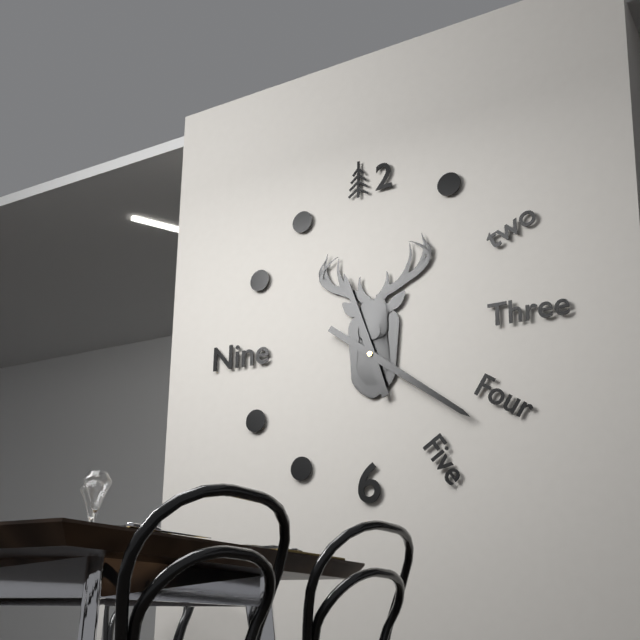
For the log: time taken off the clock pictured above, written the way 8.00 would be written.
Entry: 11.21
